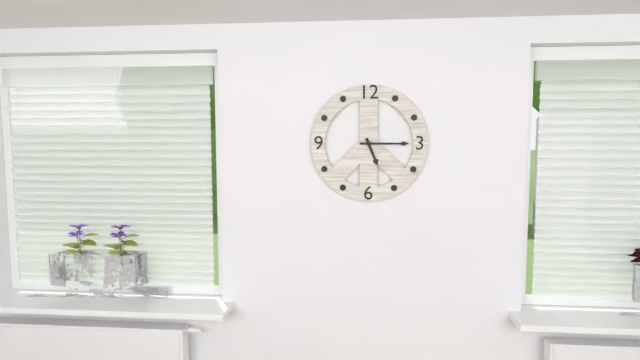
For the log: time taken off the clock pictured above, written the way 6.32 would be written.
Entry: 5.15
